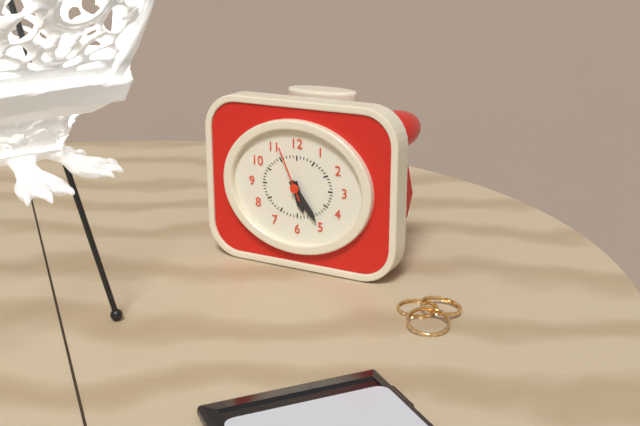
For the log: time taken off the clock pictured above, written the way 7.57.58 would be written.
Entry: 5.24.56
